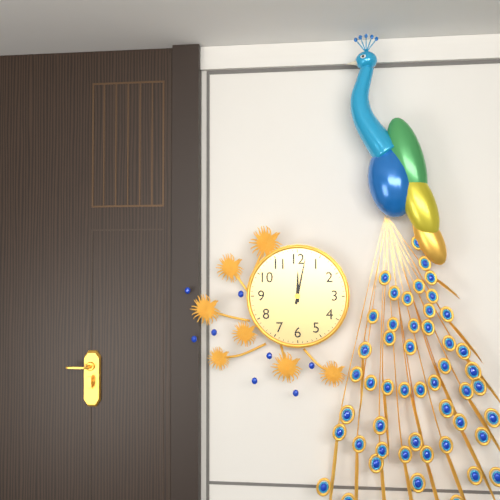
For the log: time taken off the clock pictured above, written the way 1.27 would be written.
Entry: 12.02
